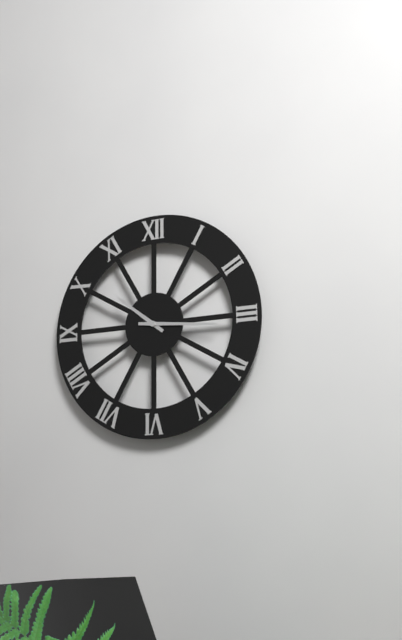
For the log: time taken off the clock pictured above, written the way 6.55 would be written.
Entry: 10.16
